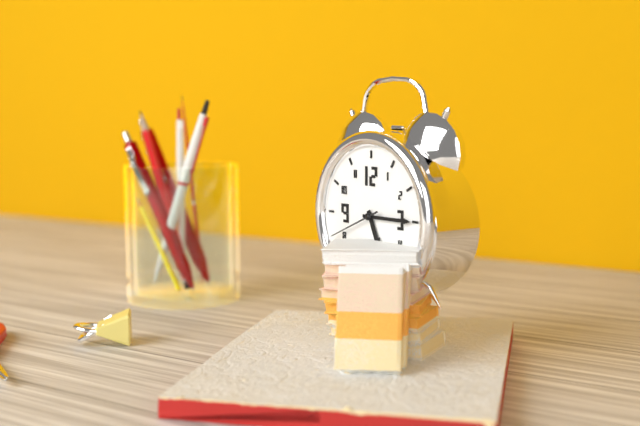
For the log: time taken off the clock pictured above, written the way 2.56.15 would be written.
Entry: 5.15.41
